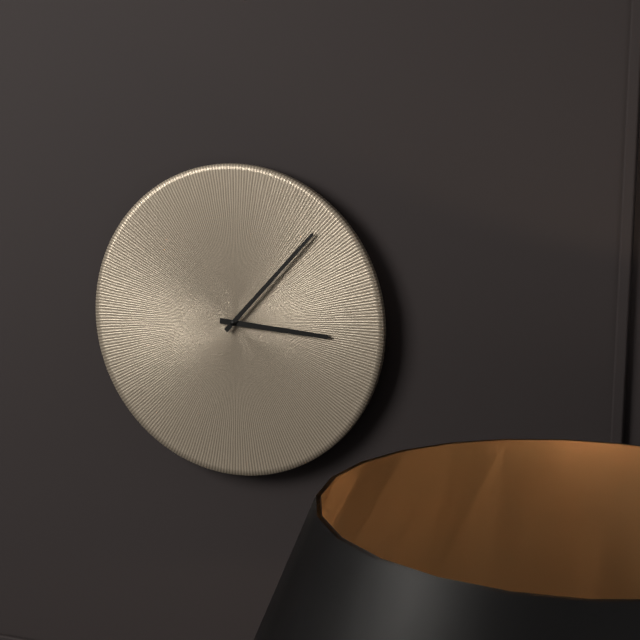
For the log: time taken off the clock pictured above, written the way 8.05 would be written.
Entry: 3.07
